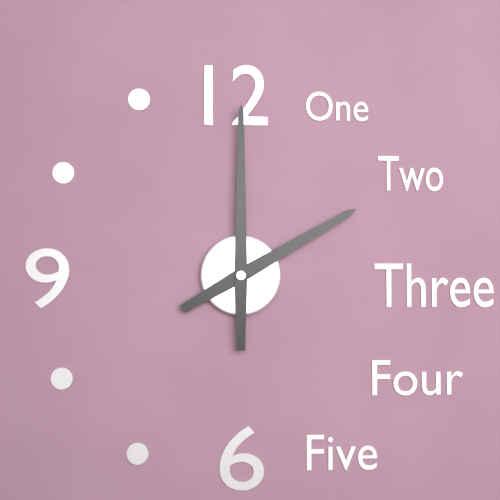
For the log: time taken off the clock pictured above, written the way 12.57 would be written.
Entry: 2.00
